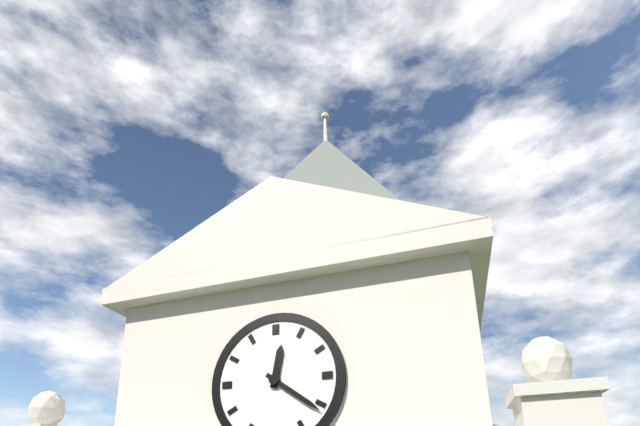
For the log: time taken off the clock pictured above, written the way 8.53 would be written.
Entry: 12.21
